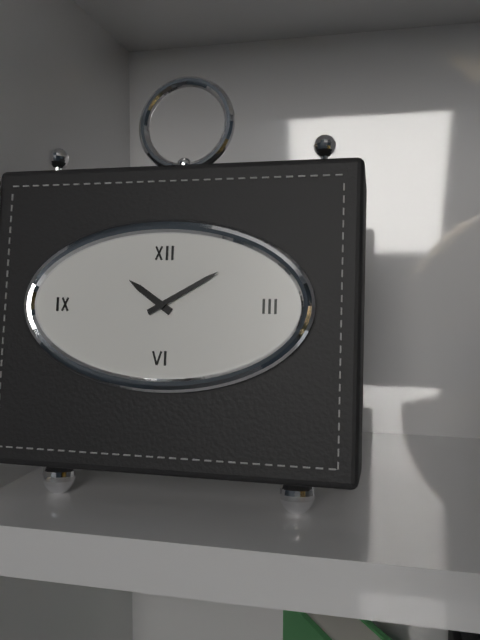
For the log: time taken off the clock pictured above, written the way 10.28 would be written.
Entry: 10.10
